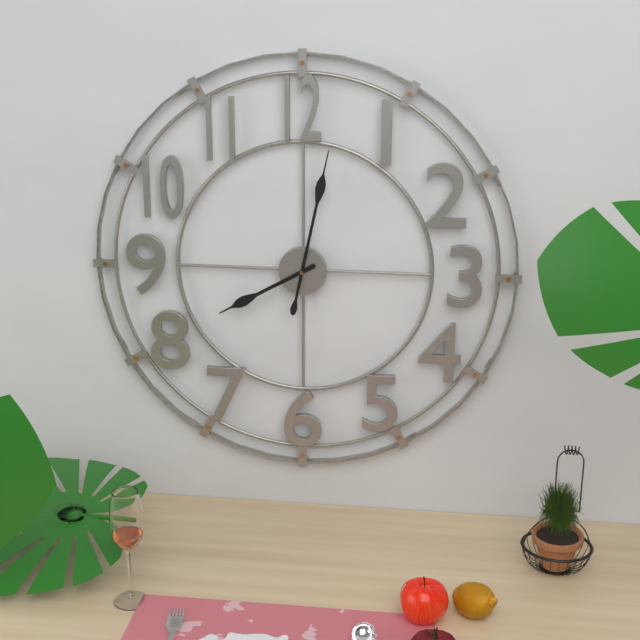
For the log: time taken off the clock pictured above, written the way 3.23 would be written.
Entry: 8.02
